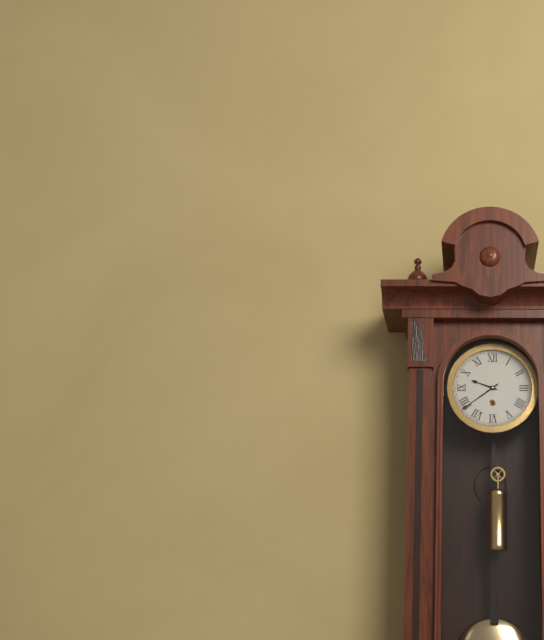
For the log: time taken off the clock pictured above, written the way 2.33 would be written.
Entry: 9.39
